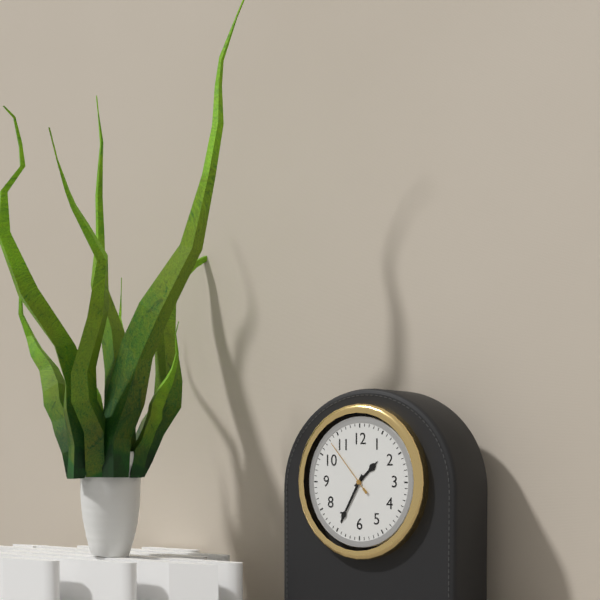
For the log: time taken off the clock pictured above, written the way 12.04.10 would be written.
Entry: 1.35.53
